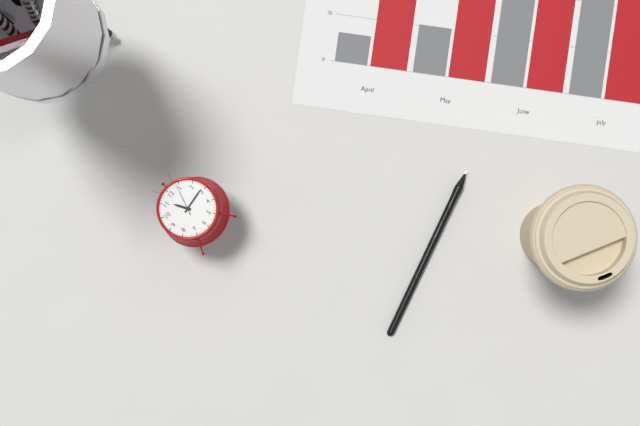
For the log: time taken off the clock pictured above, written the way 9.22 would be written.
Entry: 11.14
